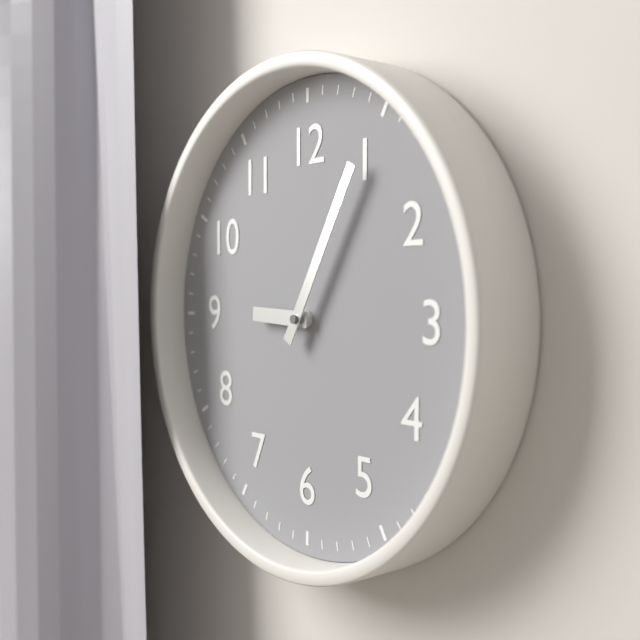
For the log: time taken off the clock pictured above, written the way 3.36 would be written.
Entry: 9.05
